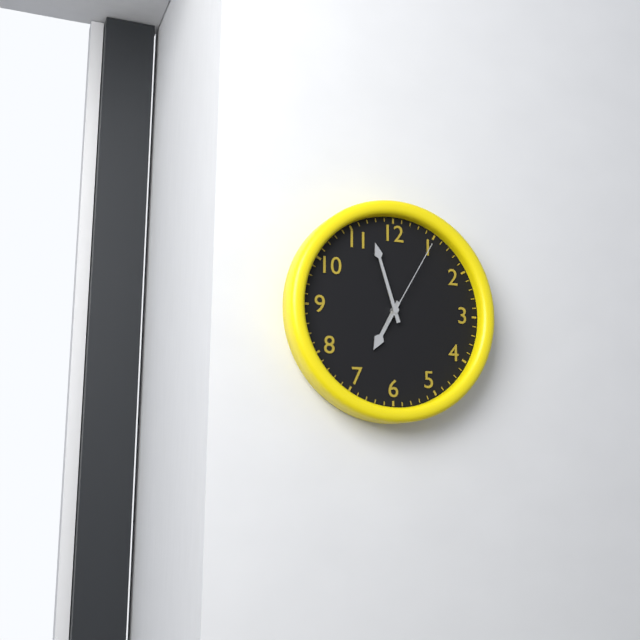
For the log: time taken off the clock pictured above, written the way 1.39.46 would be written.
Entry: 6.57.05
